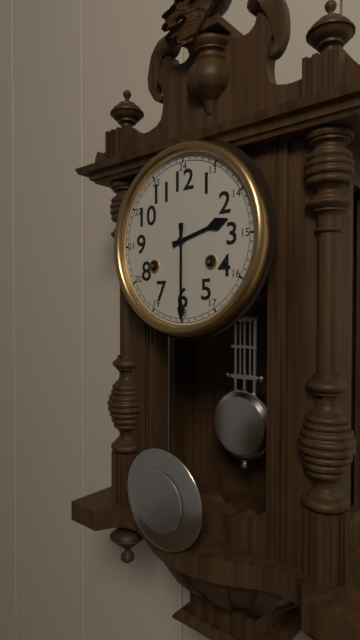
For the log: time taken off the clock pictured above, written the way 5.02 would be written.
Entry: 2.30
